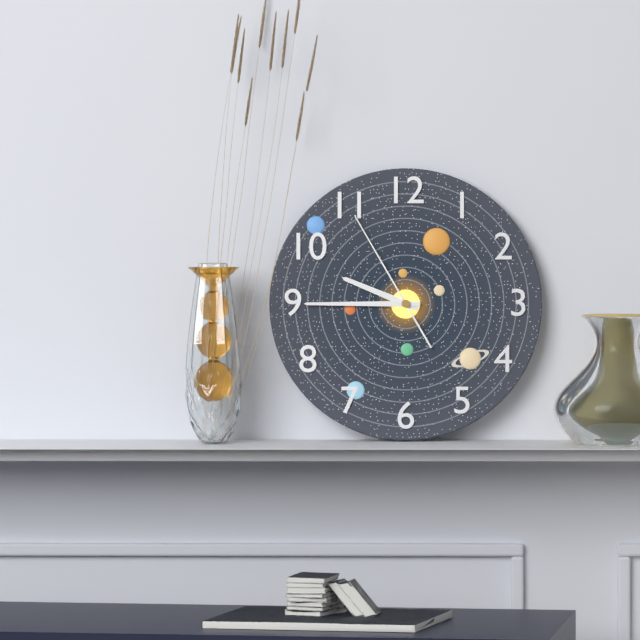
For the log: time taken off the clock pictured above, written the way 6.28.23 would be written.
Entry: 9.45.55
